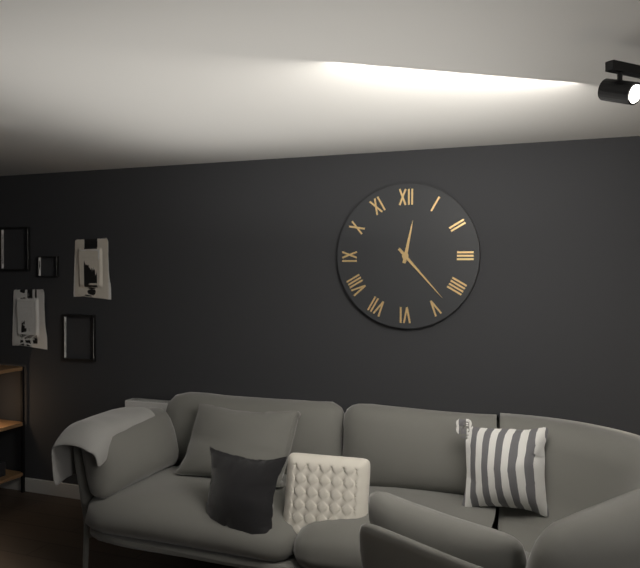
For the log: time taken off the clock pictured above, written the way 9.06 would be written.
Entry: 12.23
